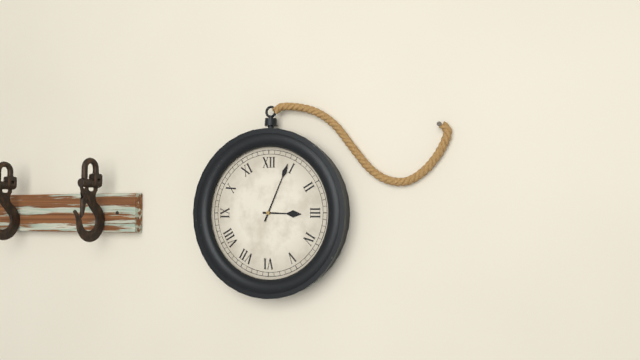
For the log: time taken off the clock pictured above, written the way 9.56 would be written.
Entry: 3.04
